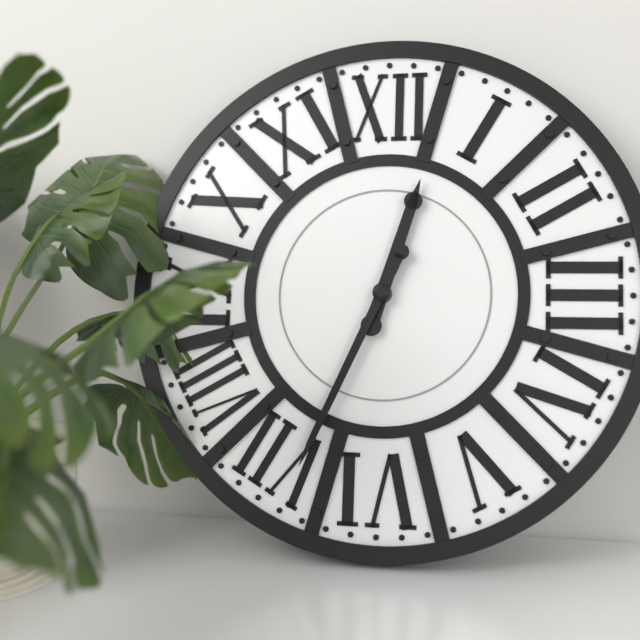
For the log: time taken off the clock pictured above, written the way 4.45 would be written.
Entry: 12.34
